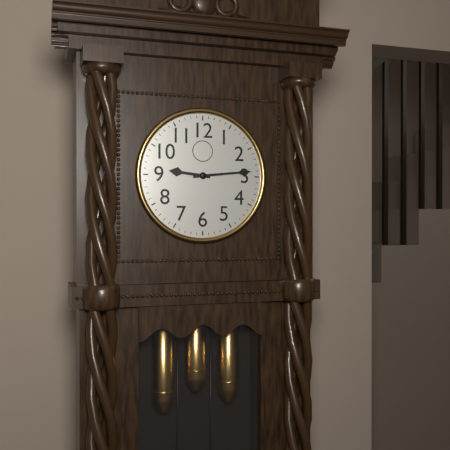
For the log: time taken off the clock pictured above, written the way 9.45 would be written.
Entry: 9.14
